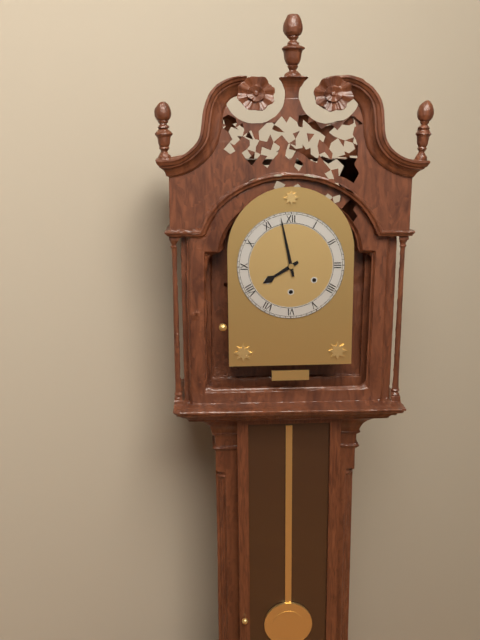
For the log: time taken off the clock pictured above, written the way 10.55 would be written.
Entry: 7.58
